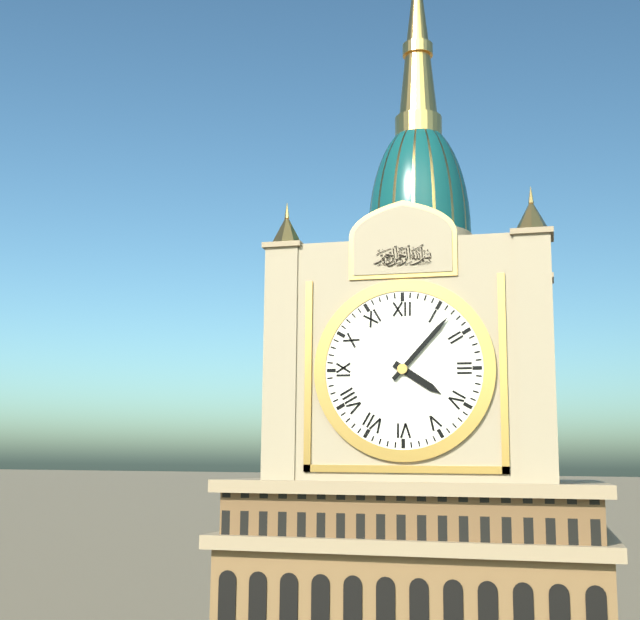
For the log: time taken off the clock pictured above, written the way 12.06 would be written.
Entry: 4.07
